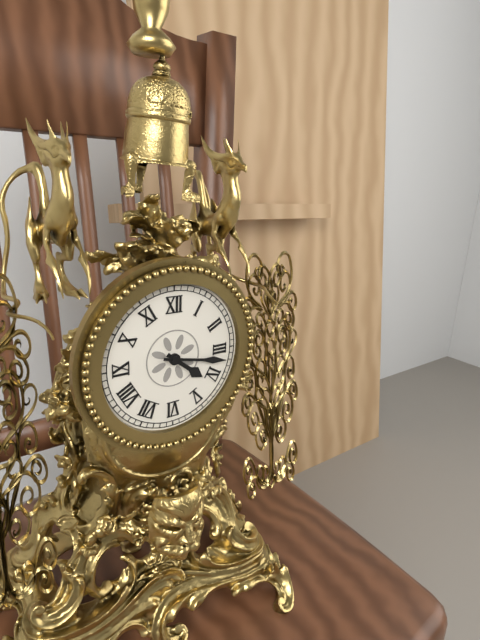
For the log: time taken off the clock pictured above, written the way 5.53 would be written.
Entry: 4.17
